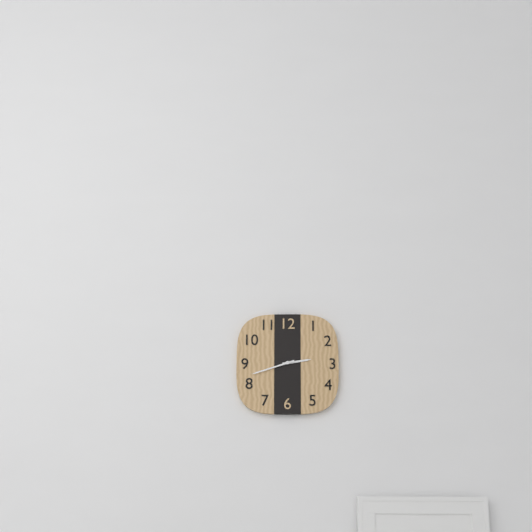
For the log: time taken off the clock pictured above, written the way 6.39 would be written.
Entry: 2.42
